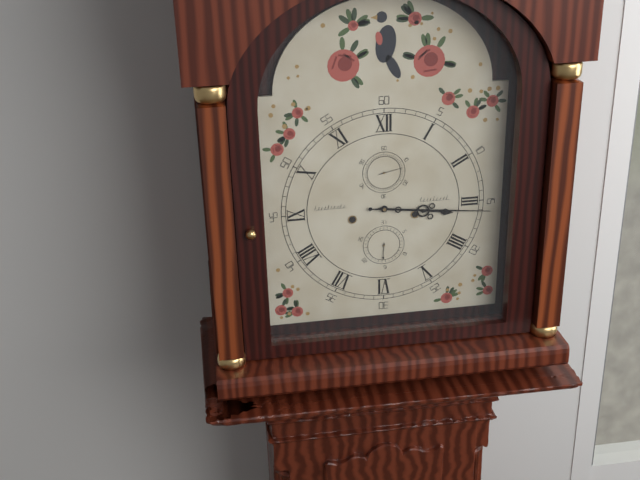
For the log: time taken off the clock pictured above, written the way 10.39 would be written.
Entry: 3.16
